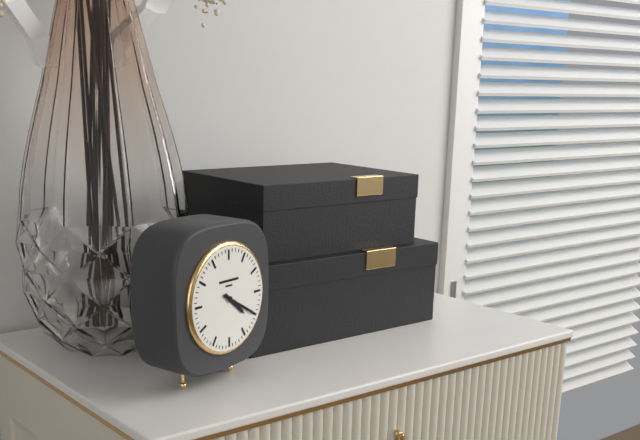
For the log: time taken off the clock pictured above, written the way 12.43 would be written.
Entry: 4.20
